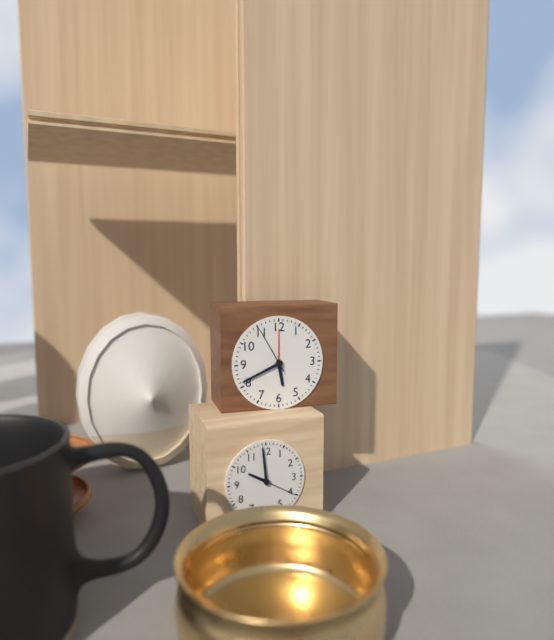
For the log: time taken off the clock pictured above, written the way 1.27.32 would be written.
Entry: 5.41.55
